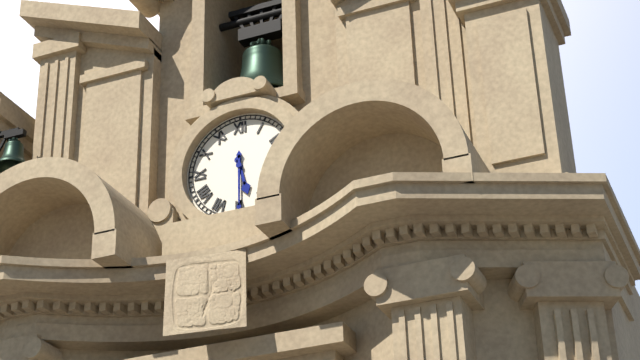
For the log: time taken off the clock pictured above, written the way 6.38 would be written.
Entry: 5.30
